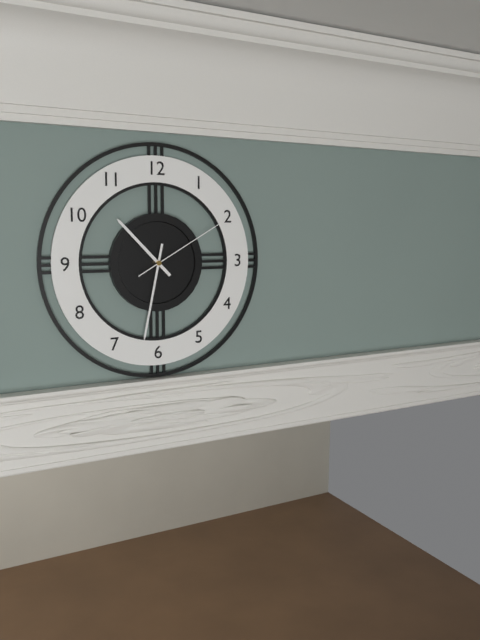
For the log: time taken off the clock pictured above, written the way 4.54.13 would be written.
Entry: 10.32.10
